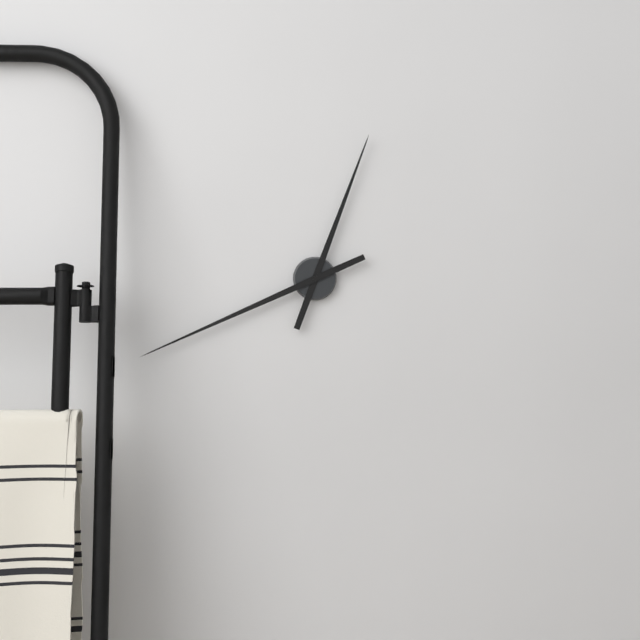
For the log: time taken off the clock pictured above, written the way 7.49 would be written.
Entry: 12.41
